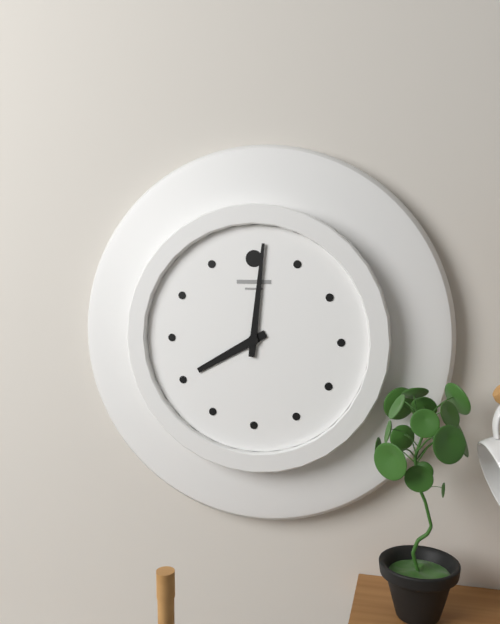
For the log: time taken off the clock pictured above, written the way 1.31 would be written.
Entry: 8.01
